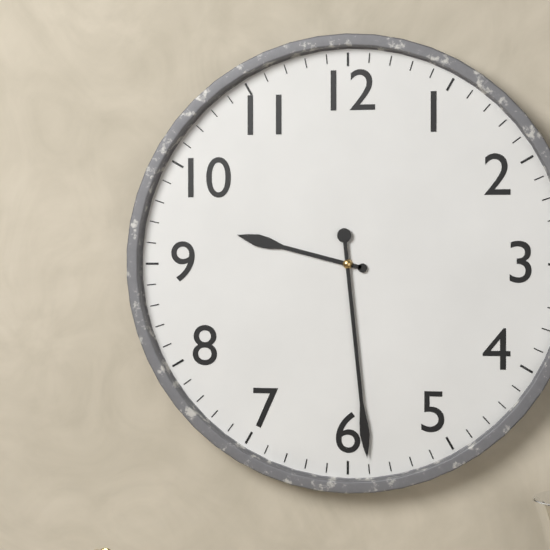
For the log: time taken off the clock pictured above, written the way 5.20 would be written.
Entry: 9.29
